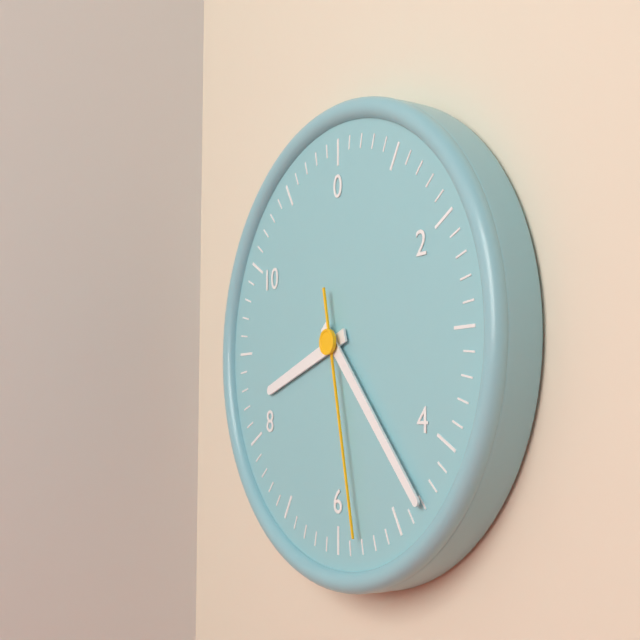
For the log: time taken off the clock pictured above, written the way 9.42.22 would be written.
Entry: 8.23.28
